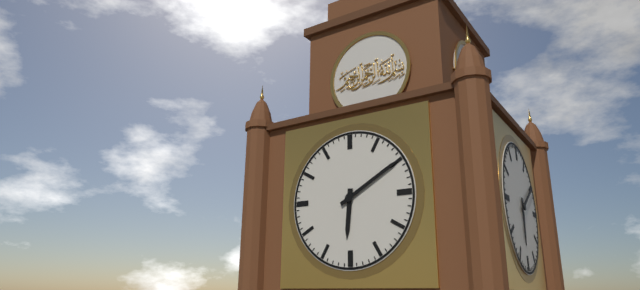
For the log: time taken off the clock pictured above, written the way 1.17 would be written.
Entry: 6.10
